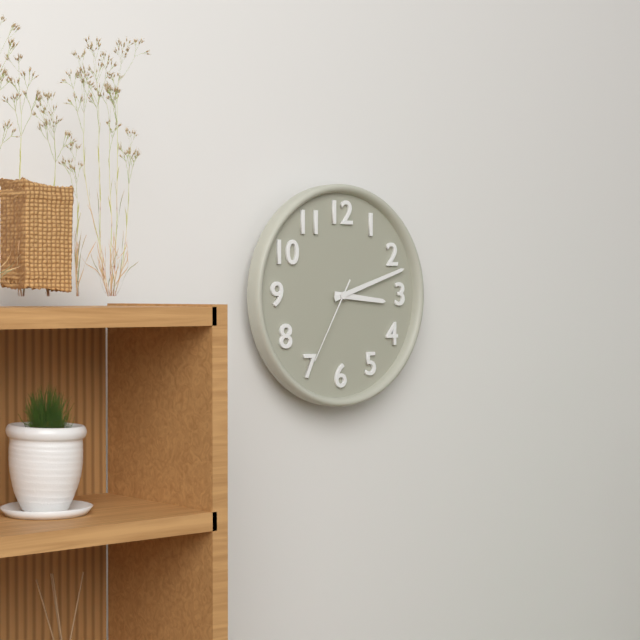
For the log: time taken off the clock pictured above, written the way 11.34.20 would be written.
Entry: 3.12.35
